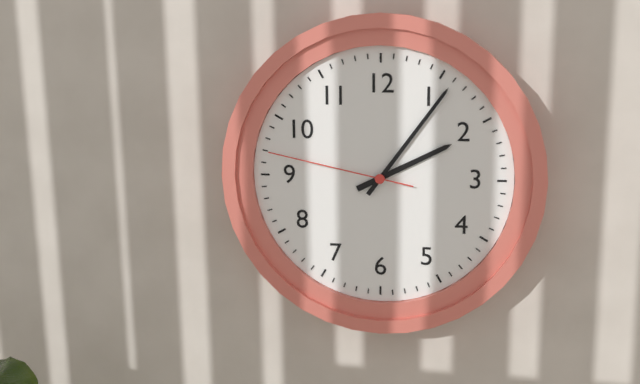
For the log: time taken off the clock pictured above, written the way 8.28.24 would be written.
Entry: 2.06.47
